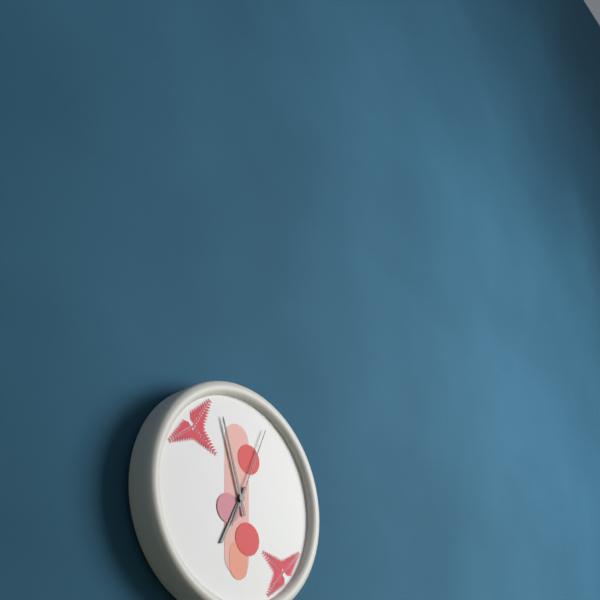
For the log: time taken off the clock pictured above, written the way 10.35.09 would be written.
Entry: 6.57.04
